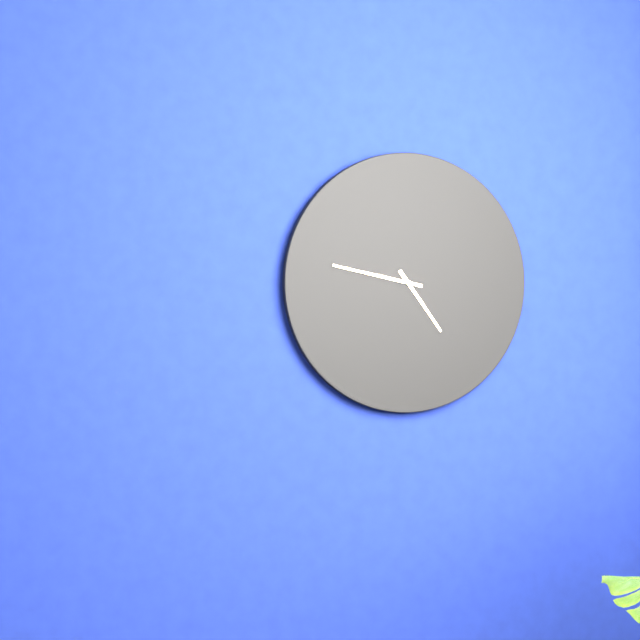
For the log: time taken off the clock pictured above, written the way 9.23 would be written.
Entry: 4.47
